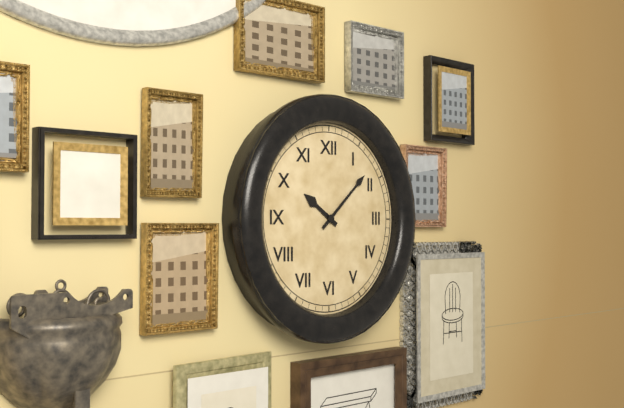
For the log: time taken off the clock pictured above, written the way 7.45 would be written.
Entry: 10.08
